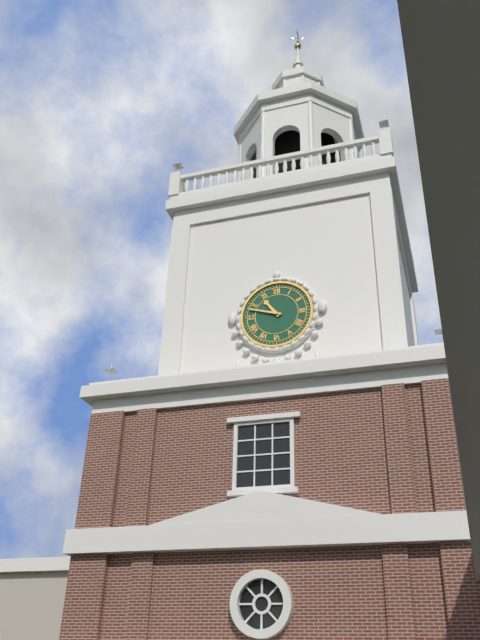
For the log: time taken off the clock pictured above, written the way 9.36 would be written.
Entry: 10.48
